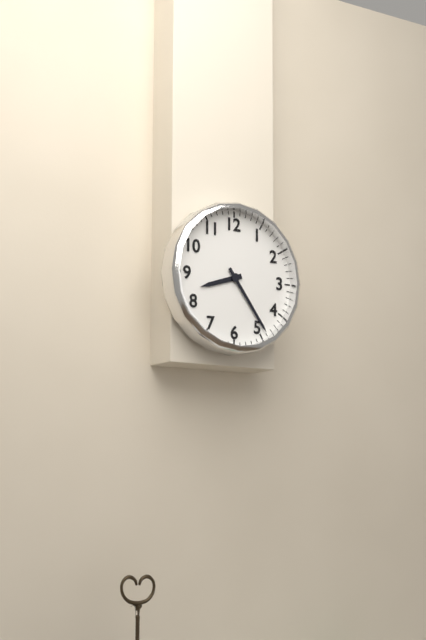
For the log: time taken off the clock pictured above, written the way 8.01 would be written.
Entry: 8.24
